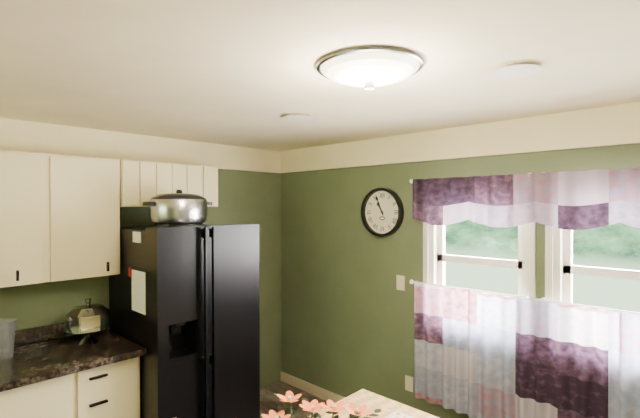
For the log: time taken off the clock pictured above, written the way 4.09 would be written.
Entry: 10.56
